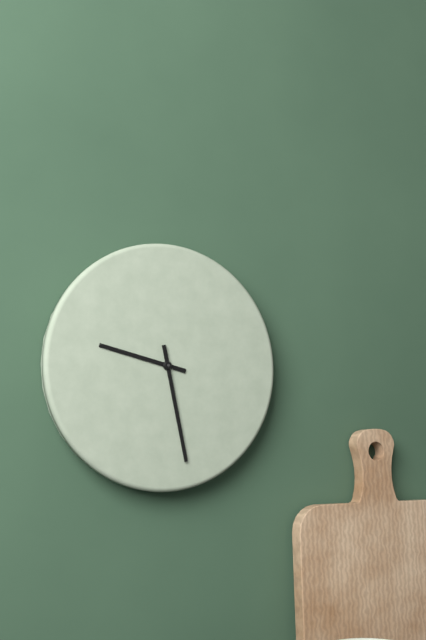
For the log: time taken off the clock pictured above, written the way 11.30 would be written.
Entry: 9.28
